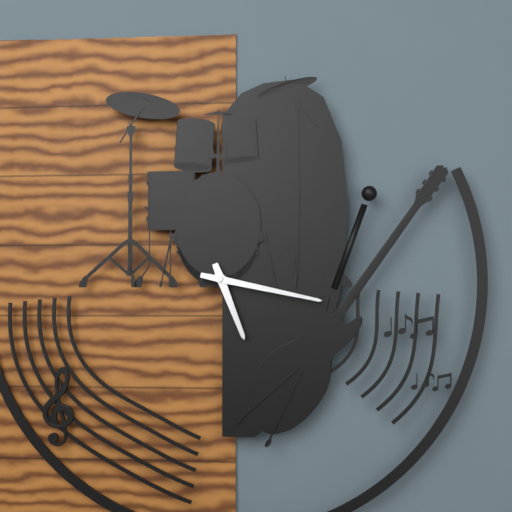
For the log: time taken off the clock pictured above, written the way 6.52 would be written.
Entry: 5.17
